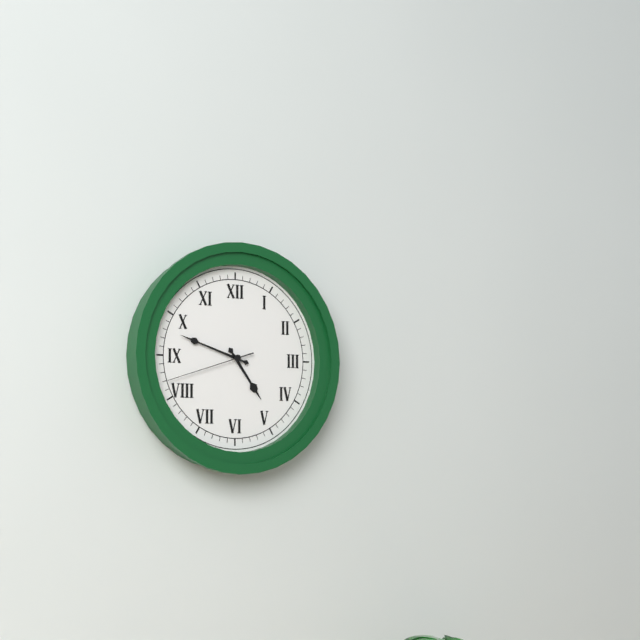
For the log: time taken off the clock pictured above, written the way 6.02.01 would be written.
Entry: 4.48.42
